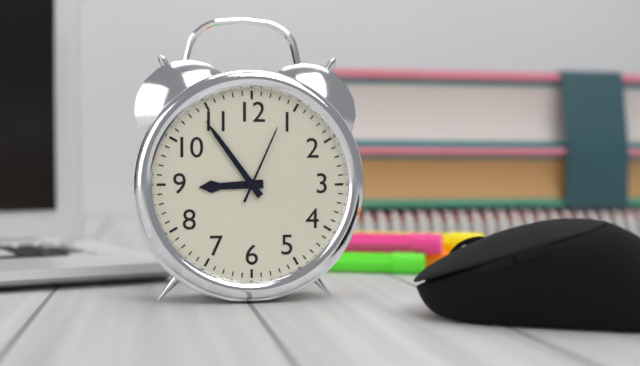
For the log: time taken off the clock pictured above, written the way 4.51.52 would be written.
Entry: 8.54.04
